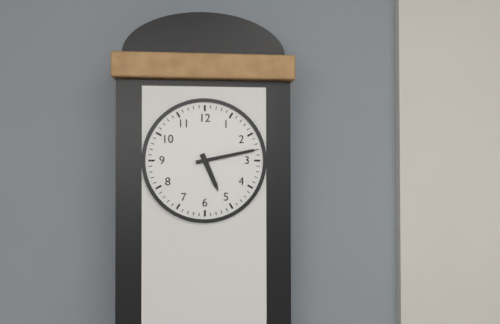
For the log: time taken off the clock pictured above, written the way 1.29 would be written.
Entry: 5.13
